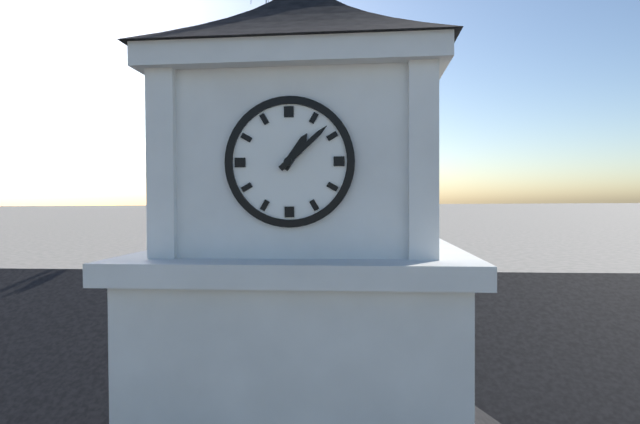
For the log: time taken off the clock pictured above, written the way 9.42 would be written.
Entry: 1.08
